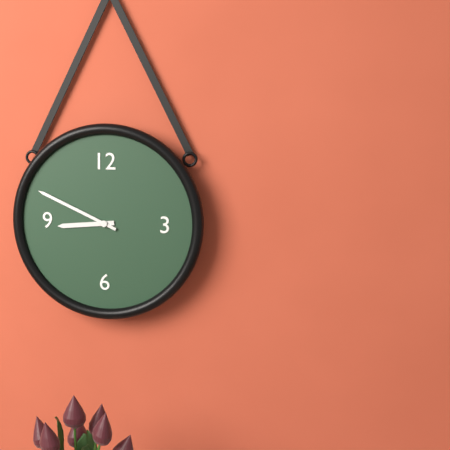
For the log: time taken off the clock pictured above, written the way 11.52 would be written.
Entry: 8.49
